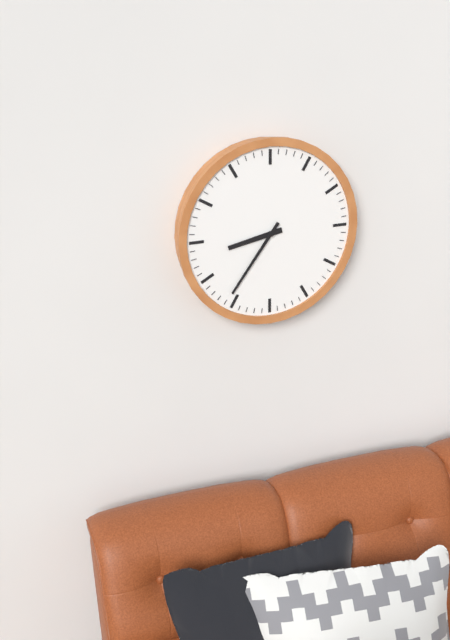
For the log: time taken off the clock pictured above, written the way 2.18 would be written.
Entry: 8.36
